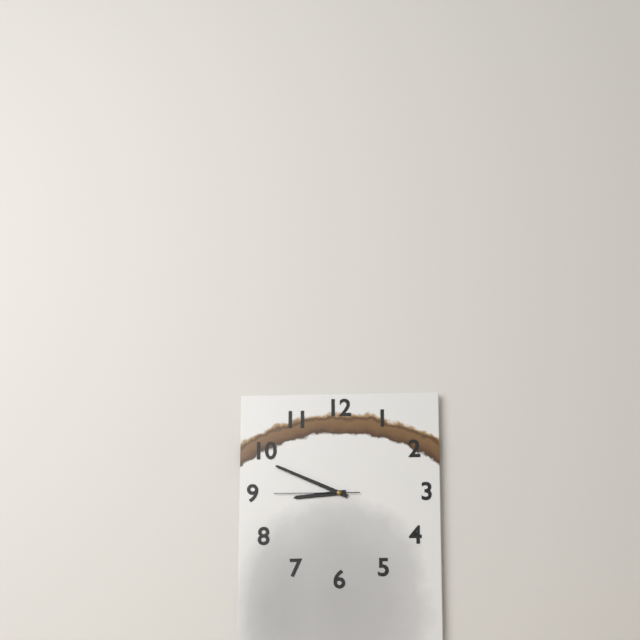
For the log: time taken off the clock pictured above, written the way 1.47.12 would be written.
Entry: 8.49.45
